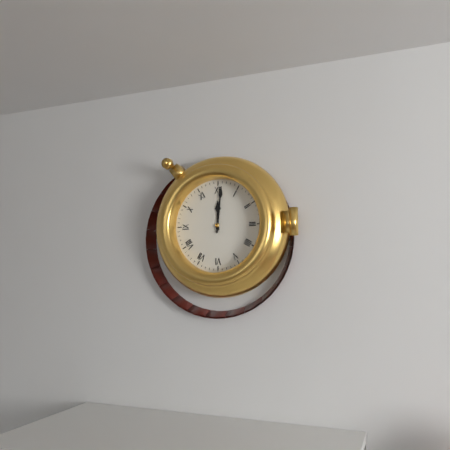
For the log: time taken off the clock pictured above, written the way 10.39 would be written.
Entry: 12.01
